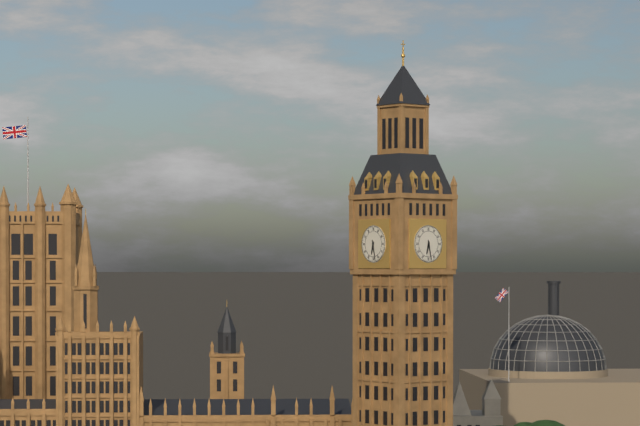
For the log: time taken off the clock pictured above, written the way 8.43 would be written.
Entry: 6.28
